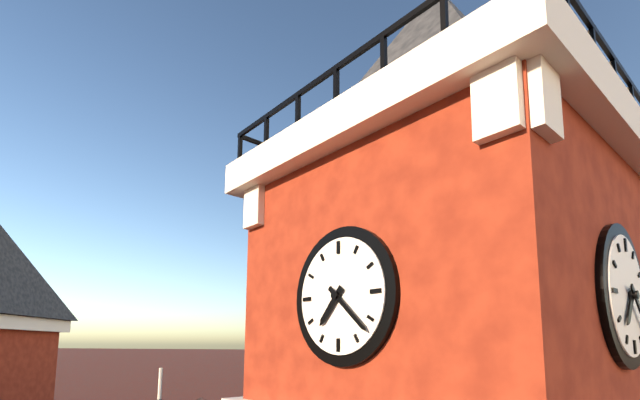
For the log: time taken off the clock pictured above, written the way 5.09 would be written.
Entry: 7.22
